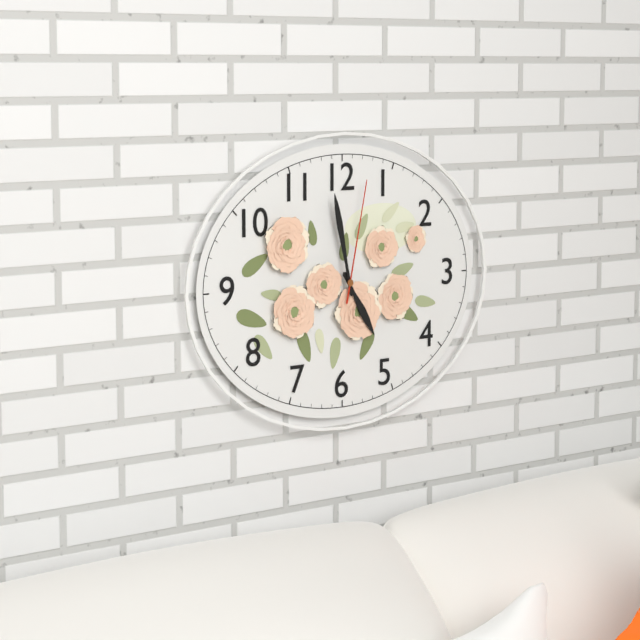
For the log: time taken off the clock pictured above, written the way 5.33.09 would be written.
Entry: 4.58.02
